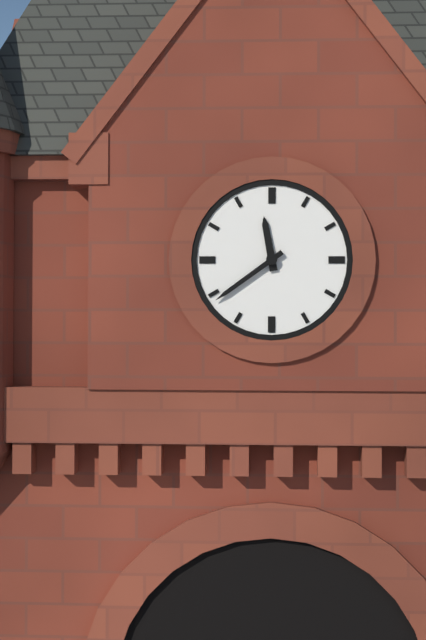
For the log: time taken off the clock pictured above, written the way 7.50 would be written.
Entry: 11.39
